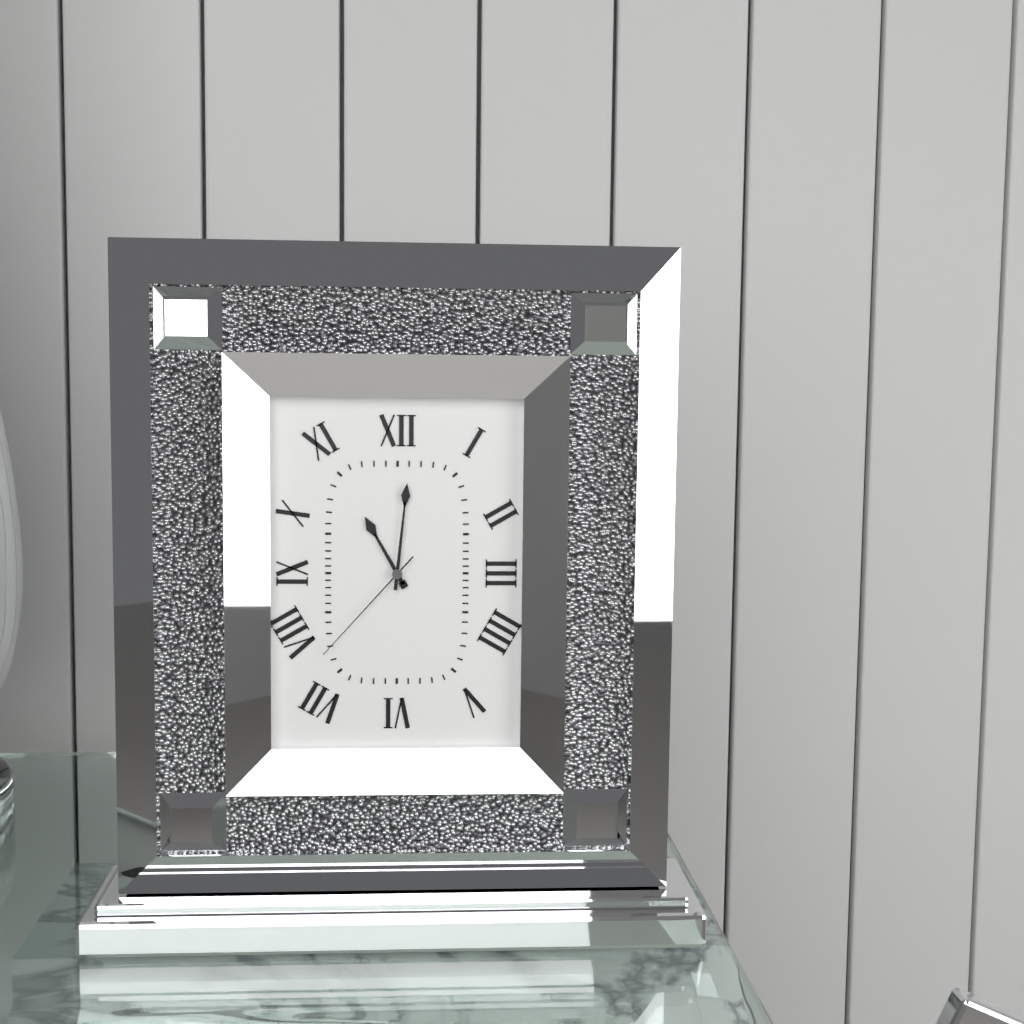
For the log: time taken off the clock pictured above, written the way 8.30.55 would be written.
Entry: 11.01.37
